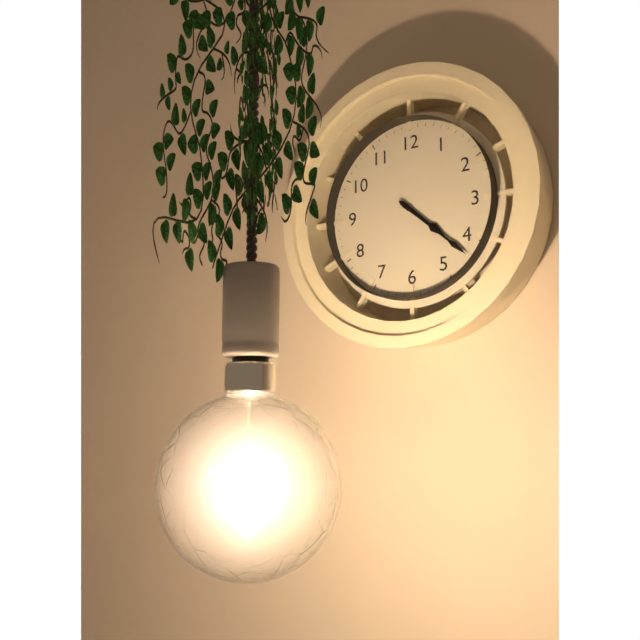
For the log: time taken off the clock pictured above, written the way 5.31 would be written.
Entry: 4.22
